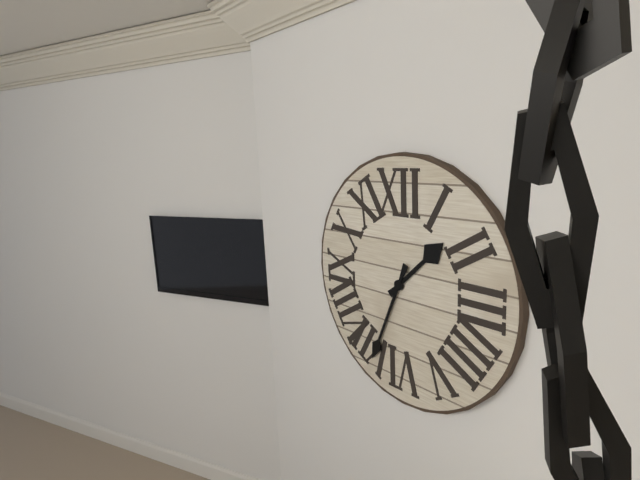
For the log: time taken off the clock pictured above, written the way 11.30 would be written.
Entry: 1.34
